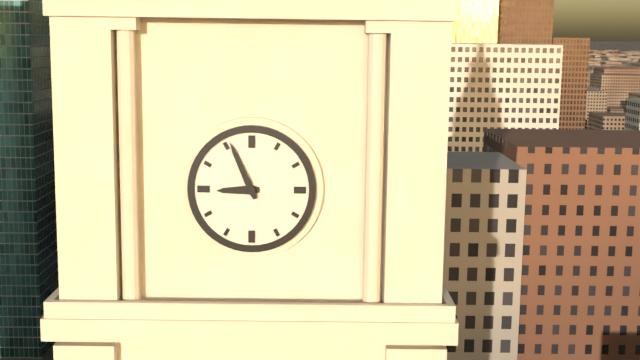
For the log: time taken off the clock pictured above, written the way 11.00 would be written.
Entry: 8.56
